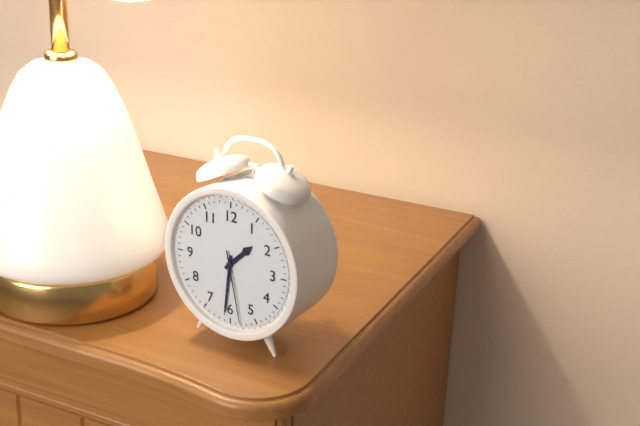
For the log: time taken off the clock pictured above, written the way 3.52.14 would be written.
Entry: 1.31.28
